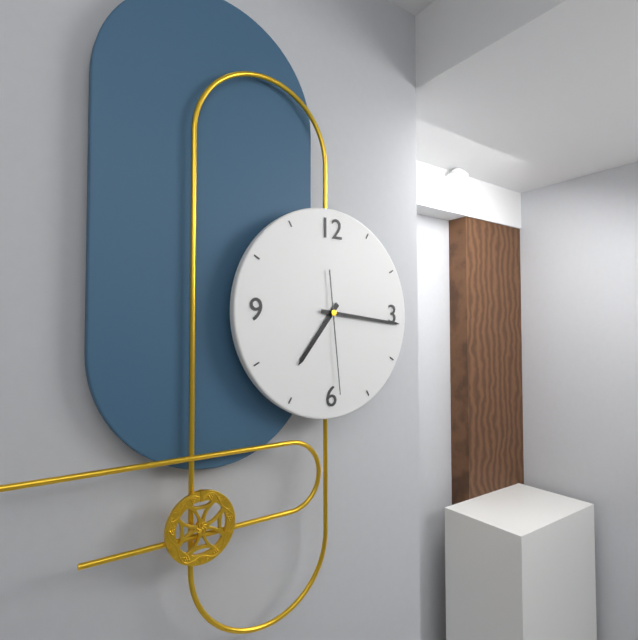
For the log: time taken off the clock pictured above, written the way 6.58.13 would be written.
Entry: 7.16.29
